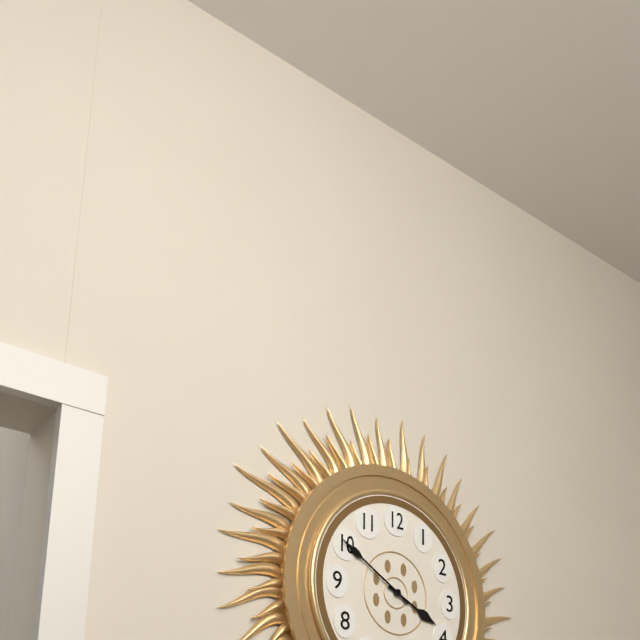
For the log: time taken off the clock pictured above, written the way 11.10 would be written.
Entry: 3.50
